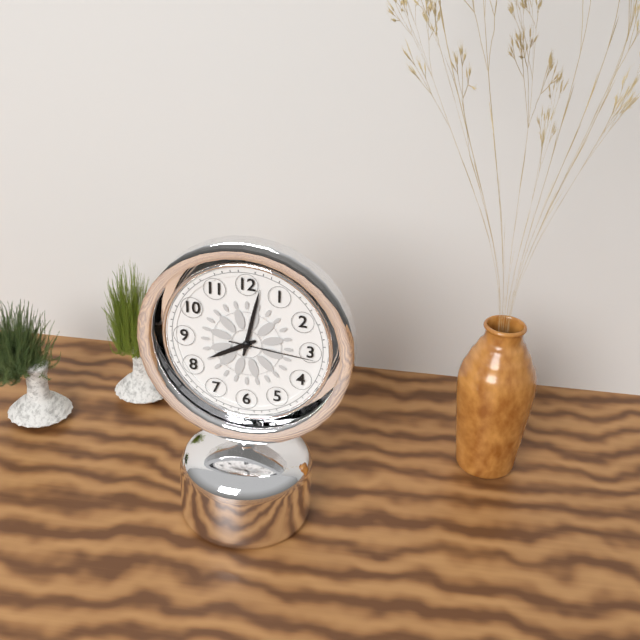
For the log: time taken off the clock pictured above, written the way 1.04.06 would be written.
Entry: 8.02.16
